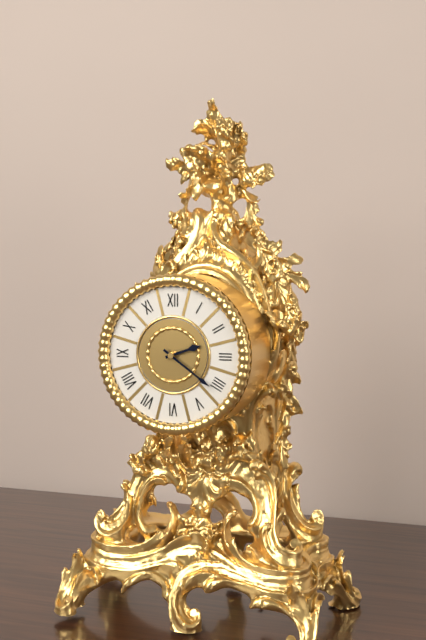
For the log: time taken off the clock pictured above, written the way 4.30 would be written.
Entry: 2.21
